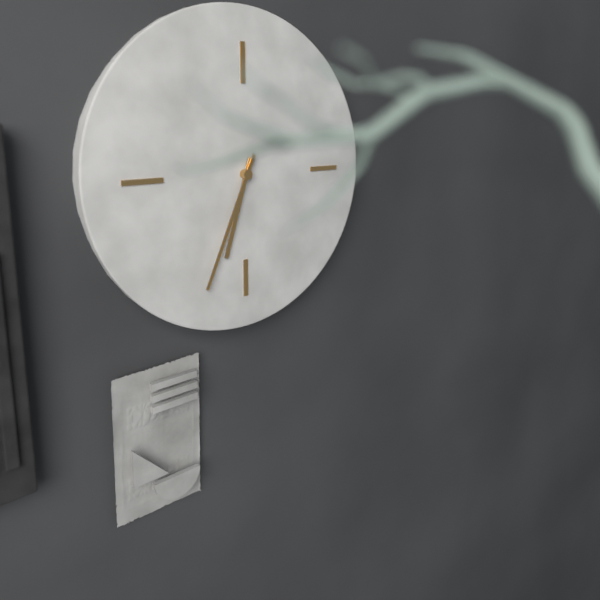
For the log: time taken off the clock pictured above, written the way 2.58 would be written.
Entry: 6.34
